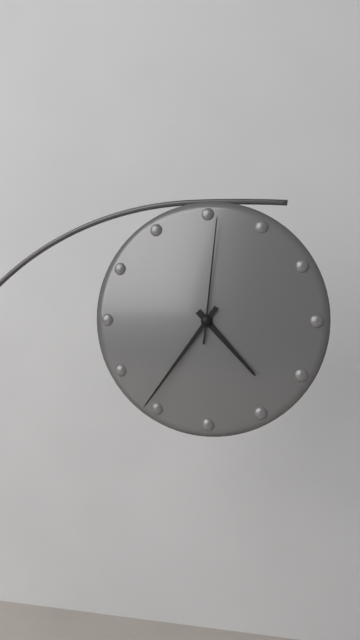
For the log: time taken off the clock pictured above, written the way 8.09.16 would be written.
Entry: 4.36.01
